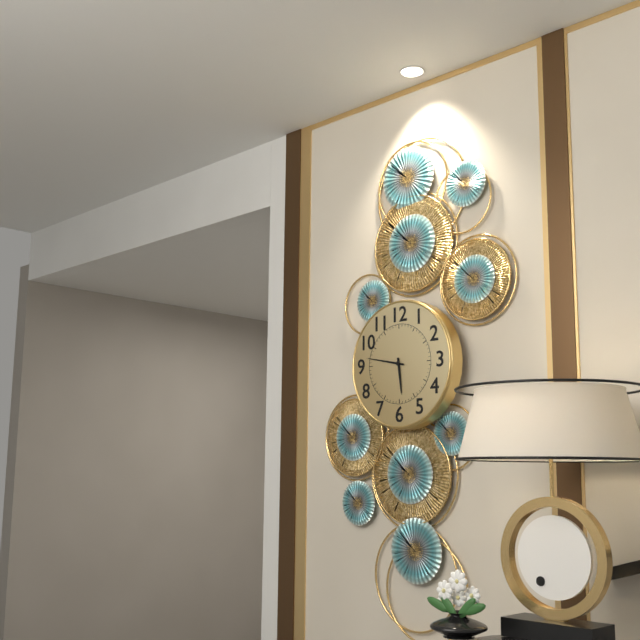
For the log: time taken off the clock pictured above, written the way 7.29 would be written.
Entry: 5.47
